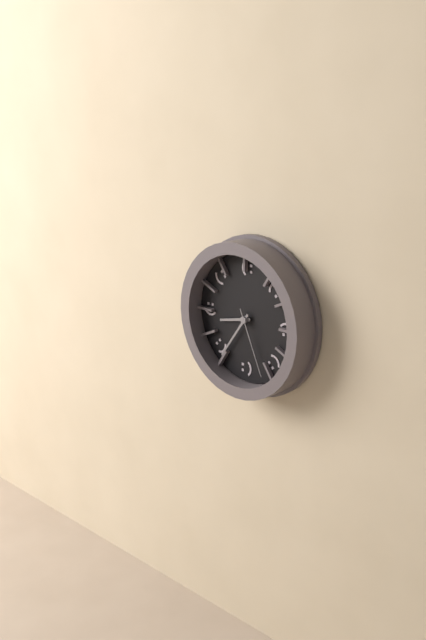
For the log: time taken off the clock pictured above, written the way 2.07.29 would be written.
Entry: 8.36.26
